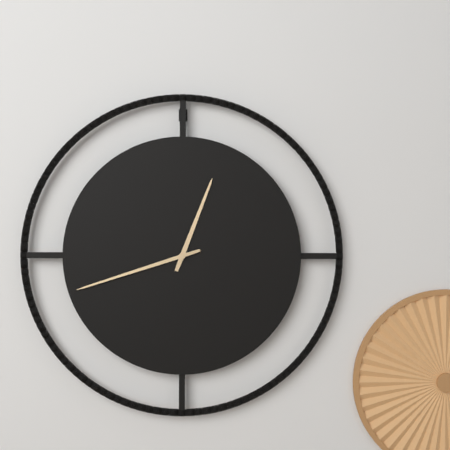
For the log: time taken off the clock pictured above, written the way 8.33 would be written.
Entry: 12.42
